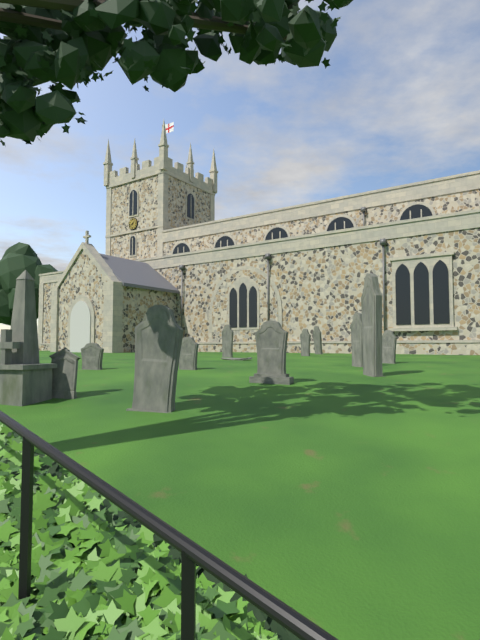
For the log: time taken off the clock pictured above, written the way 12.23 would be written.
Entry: 1.40
